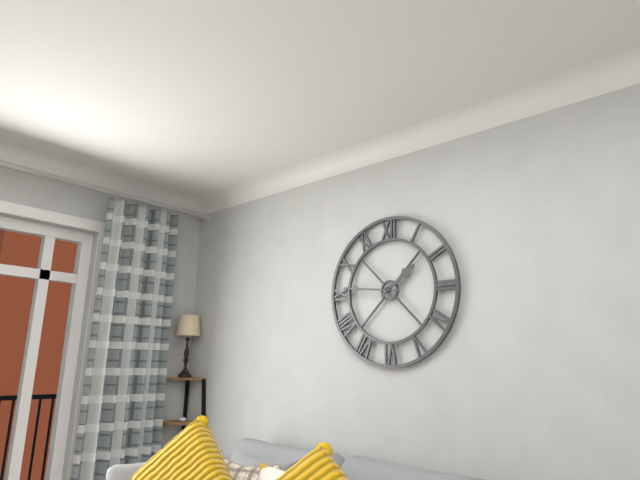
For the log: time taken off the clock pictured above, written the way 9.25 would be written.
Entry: 1.46
